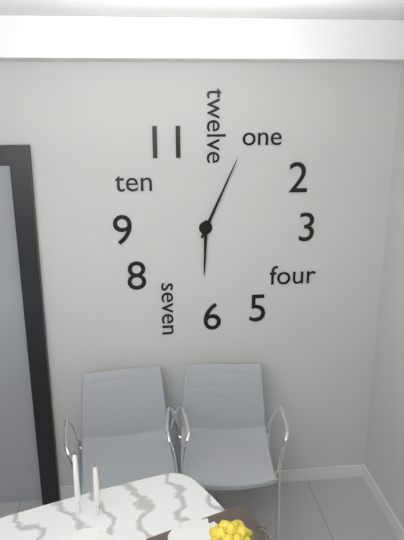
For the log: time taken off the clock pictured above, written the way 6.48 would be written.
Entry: 6.04
